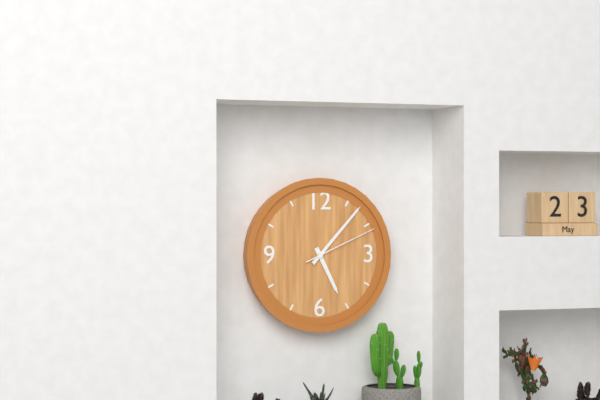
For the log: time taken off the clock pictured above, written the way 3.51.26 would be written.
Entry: 5.07.11
